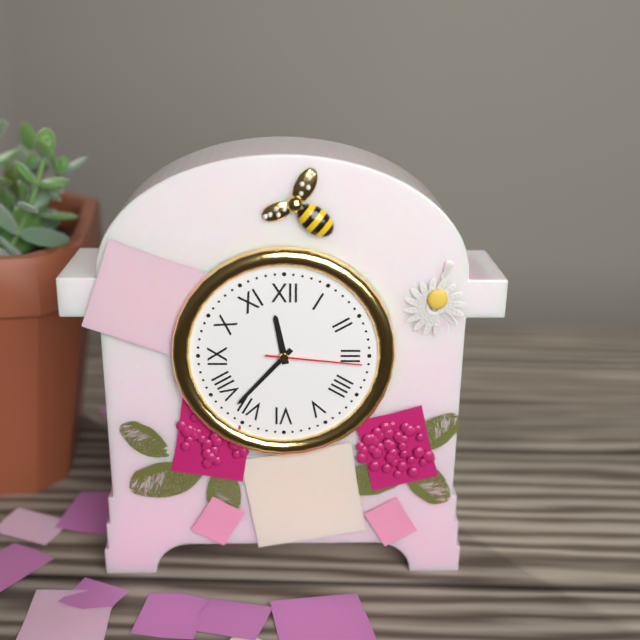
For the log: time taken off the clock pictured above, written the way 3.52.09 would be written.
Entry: 11.37.16
